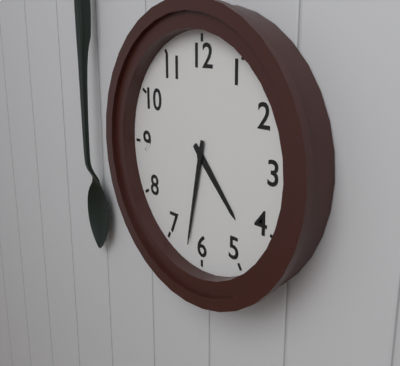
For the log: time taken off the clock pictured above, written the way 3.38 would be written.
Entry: 4.32
